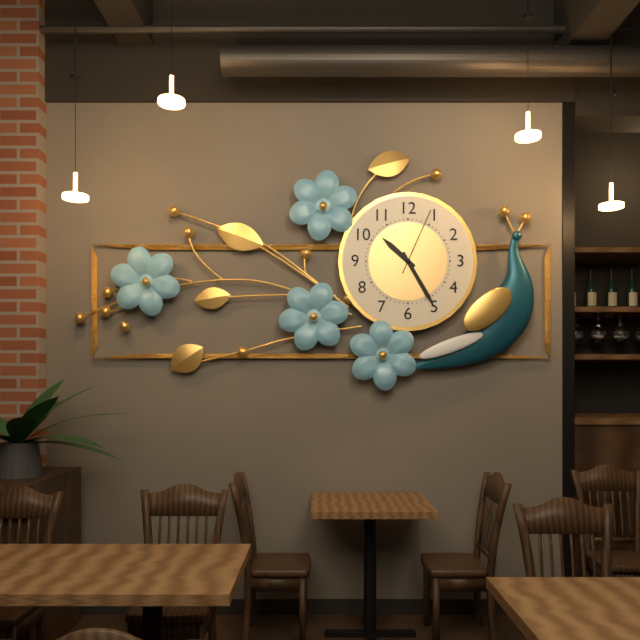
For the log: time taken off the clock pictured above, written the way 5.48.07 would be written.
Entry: 10.25.04
